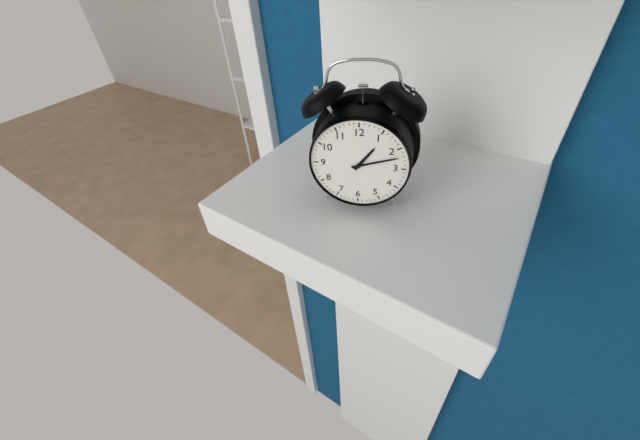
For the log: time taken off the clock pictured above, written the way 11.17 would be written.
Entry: 1.12
